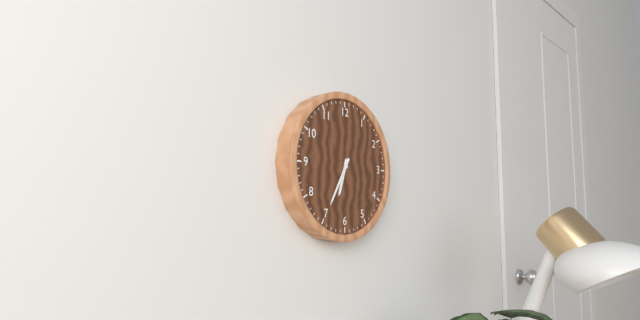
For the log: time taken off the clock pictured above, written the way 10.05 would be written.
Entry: 6.35
